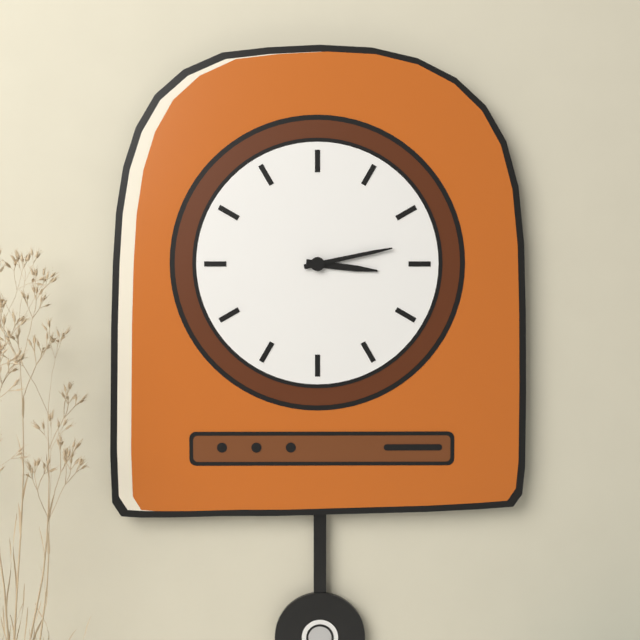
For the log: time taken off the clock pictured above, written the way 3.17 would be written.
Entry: 3.13
